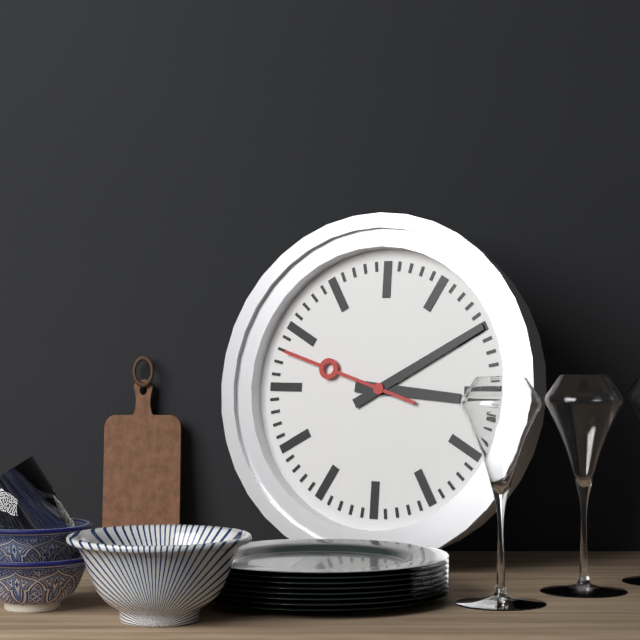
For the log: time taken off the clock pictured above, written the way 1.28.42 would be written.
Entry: 3.10.48
